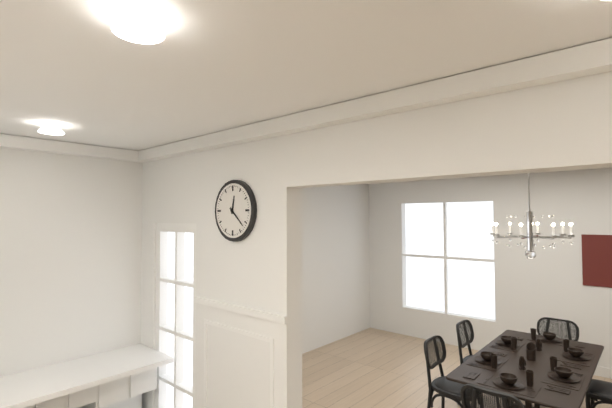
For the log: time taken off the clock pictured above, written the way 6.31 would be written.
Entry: 12.22
